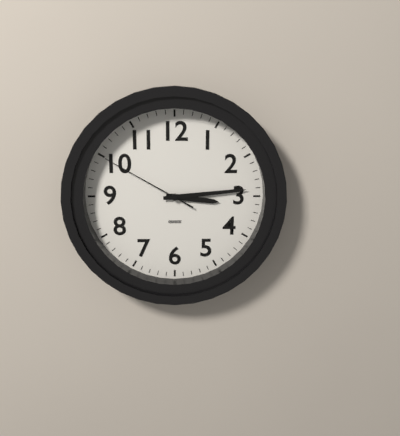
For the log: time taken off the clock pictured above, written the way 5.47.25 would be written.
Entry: 3.14.50
